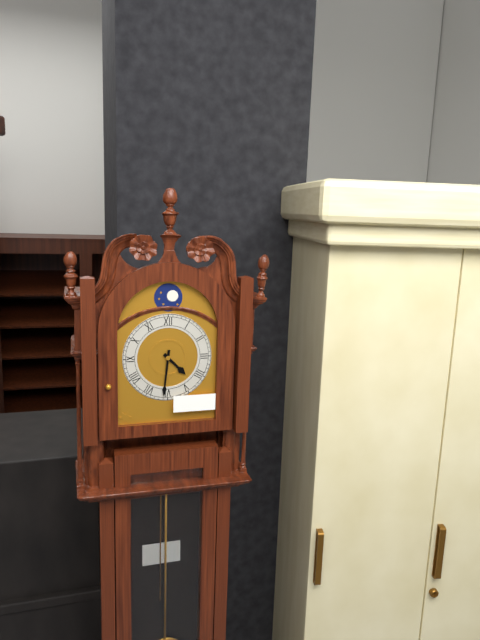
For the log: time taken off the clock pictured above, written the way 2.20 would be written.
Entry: 4.31
